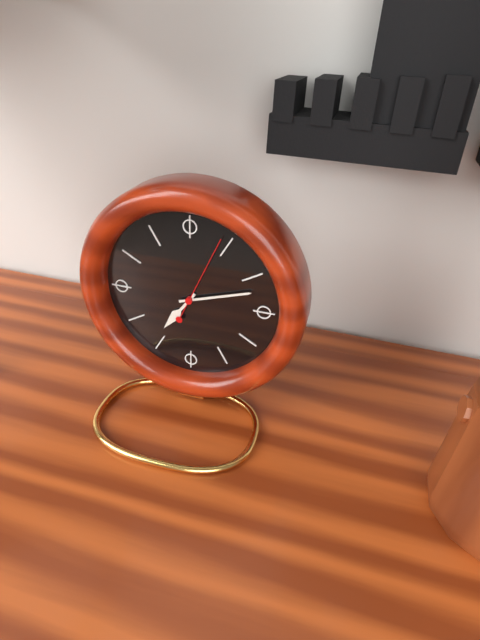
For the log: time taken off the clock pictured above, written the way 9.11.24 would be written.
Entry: 7.12.04
